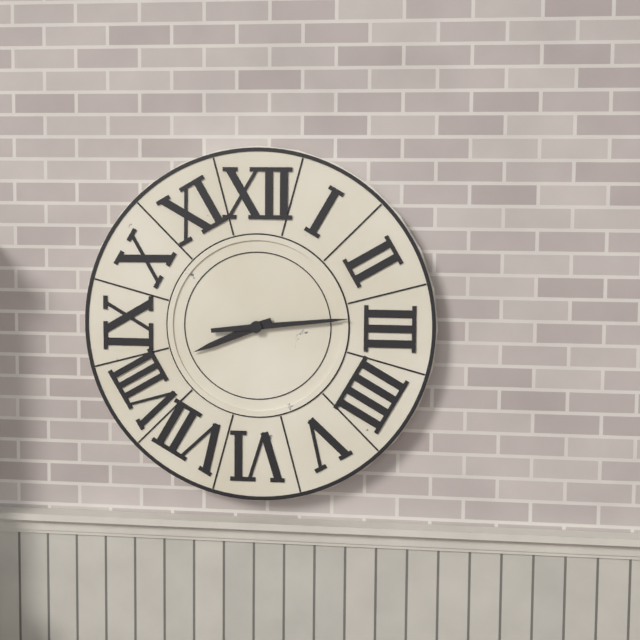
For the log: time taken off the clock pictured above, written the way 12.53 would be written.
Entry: 8.14
